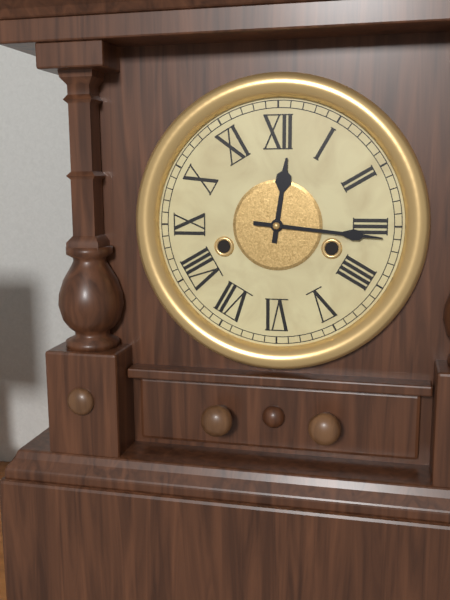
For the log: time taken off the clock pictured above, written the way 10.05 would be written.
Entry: 12.16
